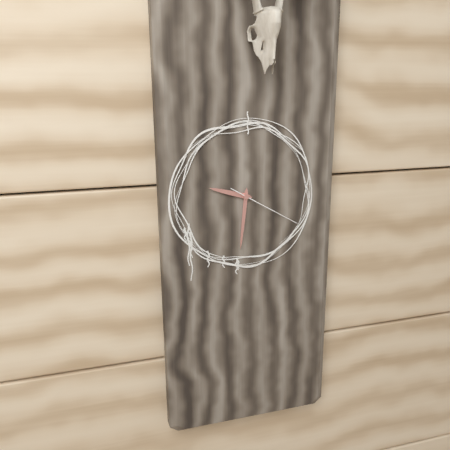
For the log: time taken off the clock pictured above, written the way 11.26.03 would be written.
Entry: 9.31.20
